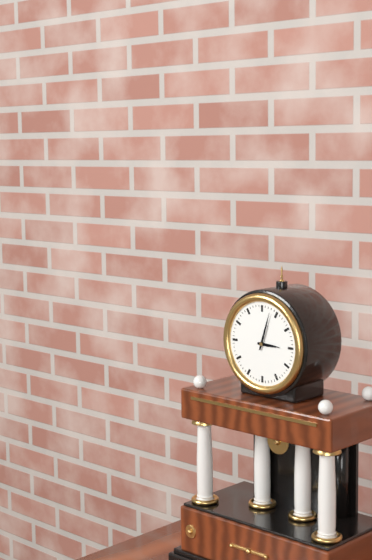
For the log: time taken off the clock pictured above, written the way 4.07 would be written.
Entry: 3.03
